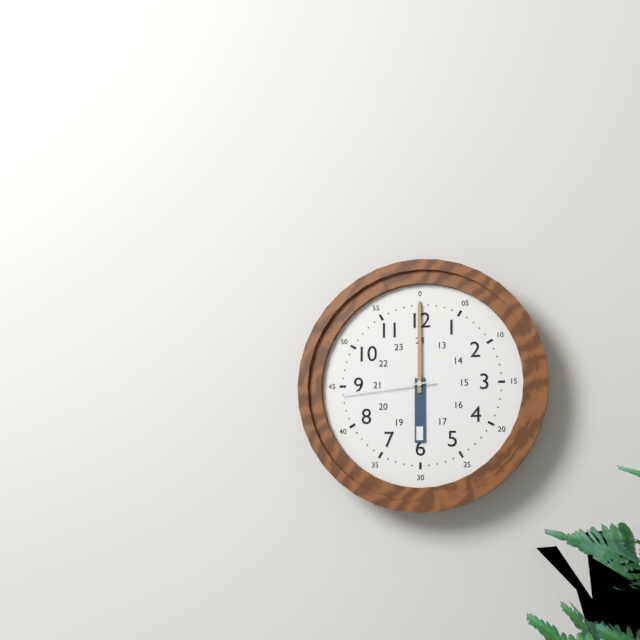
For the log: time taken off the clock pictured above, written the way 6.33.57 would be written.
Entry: 6.00.44
